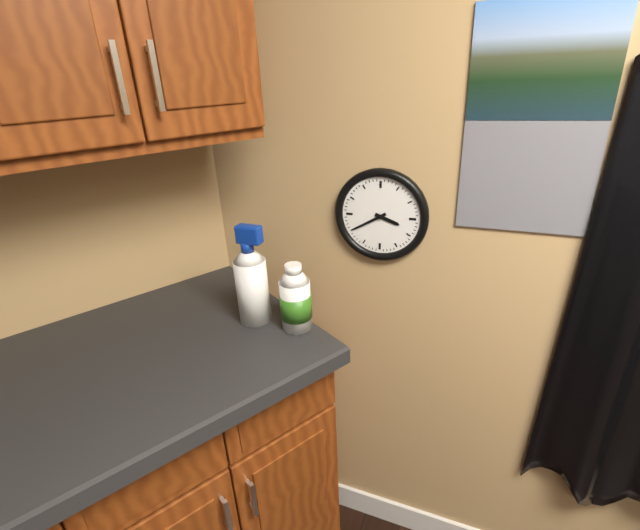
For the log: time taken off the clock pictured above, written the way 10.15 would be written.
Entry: 3.40
